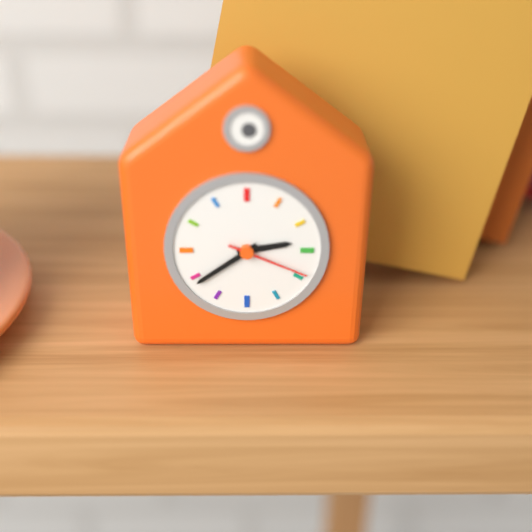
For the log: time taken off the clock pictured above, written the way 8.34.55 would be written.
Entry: 2.39.19
